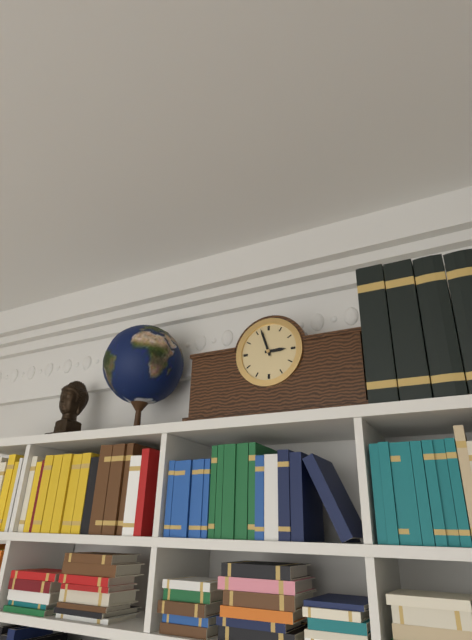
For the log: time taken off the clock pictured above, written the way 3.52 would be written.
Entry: 2.57
